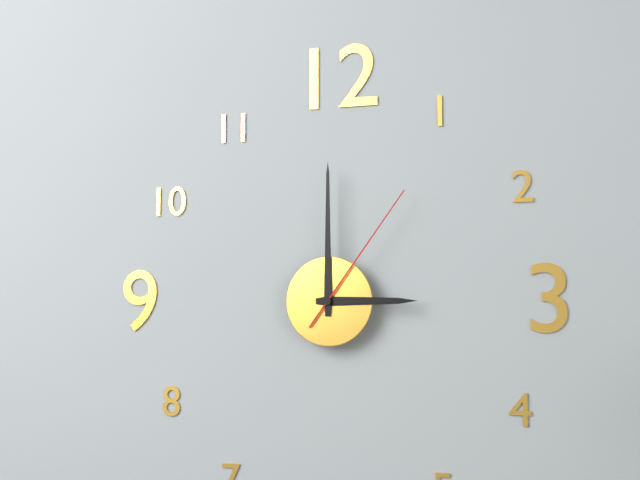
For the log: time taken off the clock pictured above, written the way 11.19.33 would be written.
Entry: 3.00.06
